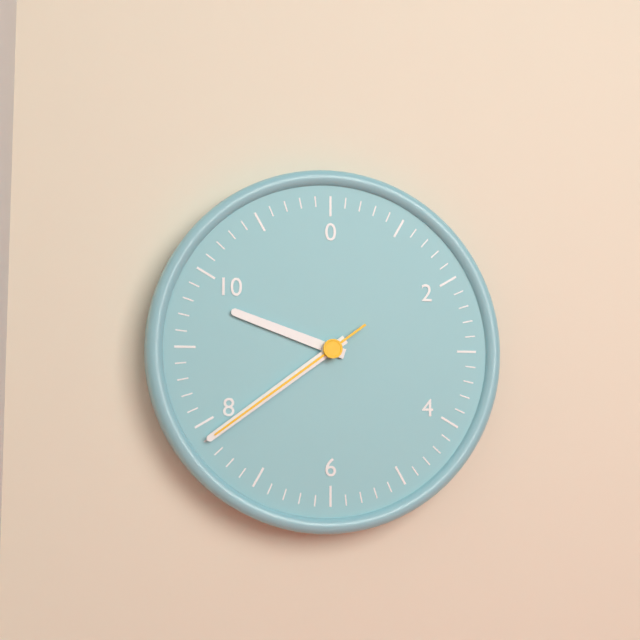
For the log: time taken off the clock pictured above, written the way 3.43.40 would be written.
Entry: 9.39.39
